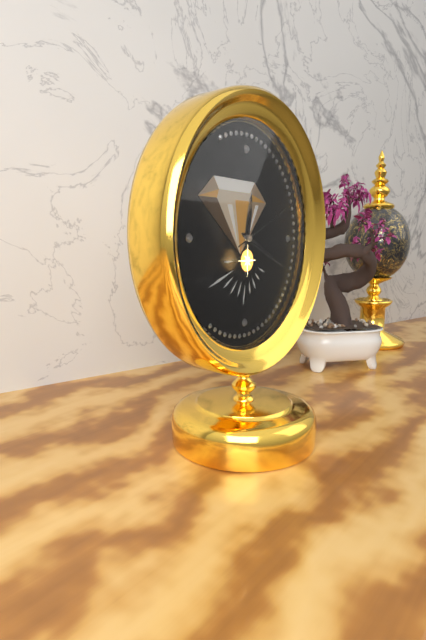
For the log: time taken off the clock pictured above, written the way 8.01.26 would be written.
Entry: 12.19.11
